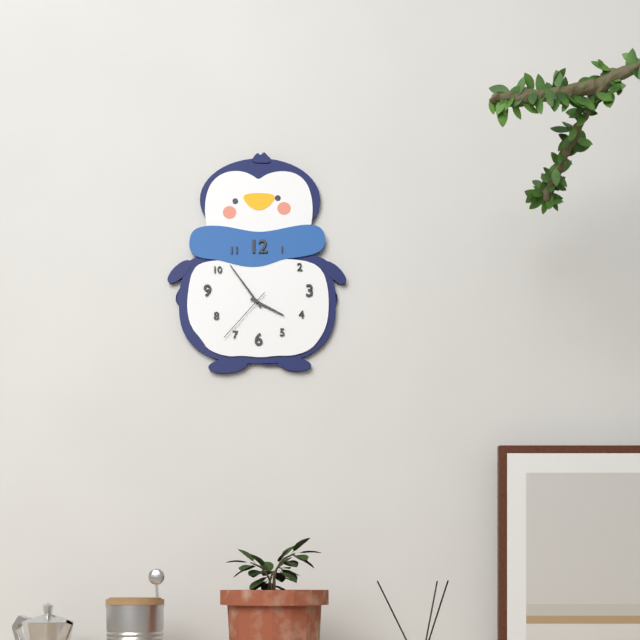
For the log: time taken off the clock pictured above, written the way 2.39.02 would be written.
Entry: 3.54.37
